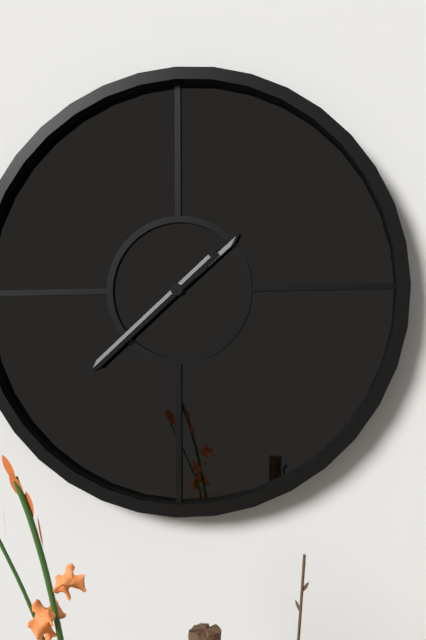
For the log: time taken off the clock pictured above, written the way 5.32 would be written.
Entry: 1.38
